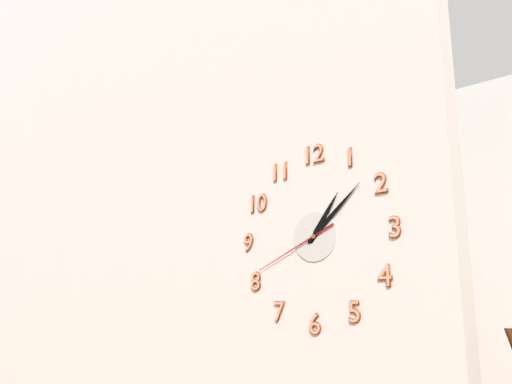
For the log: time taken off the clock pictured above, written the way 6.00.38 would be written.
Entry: 1.08.41
